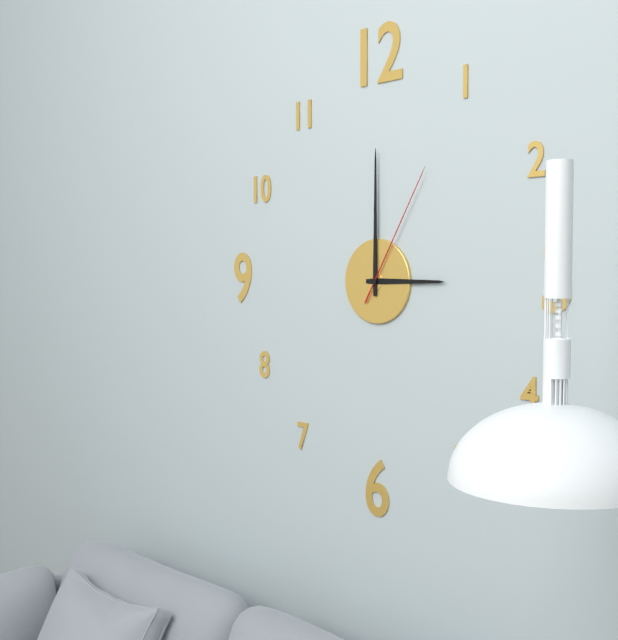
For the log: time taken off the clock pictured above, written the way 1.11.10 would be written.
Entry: 3.00.05
